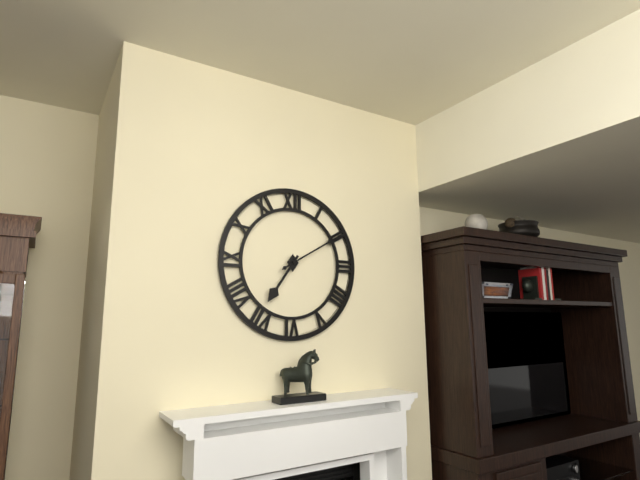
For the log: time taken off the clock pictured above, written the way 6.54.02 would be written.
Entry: 7.10.10
